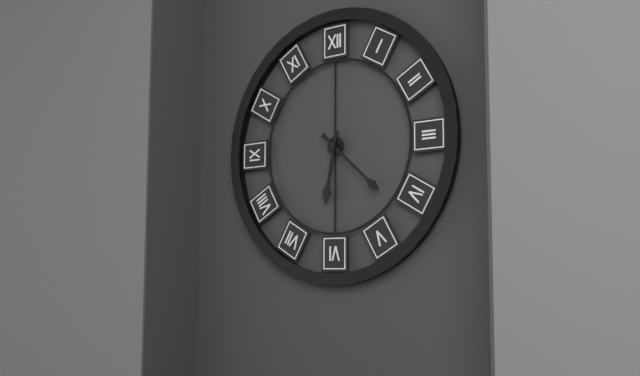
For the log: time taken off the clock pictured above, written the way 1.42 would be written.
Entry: 6.22
